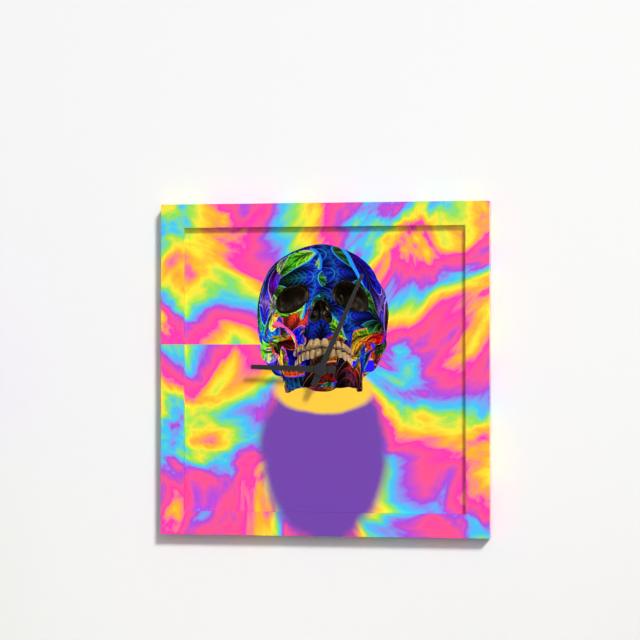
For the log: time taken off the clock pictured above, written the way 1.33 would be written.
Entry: 9.04
